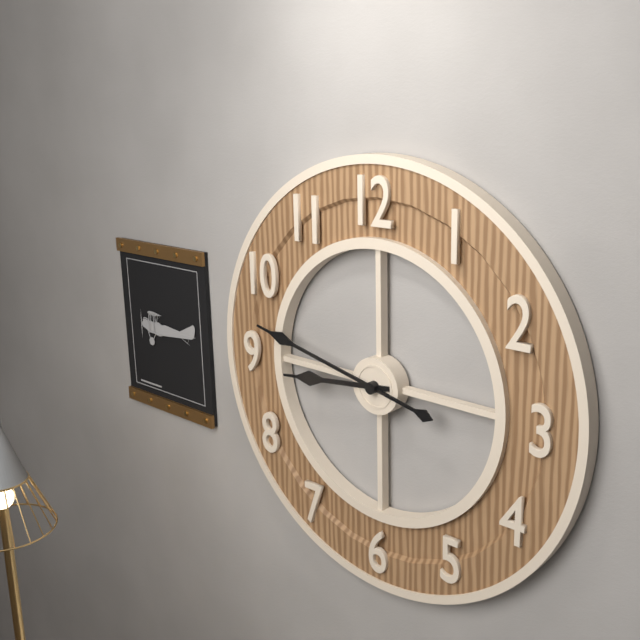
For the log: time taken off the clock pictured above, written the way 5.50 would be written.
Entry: 8.47
